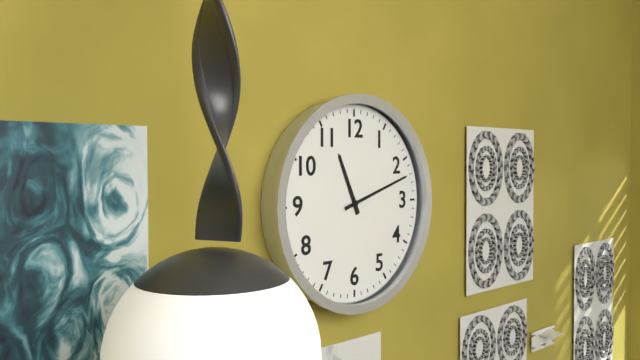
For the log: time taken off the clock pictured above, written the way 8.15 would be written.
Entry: 11.12
